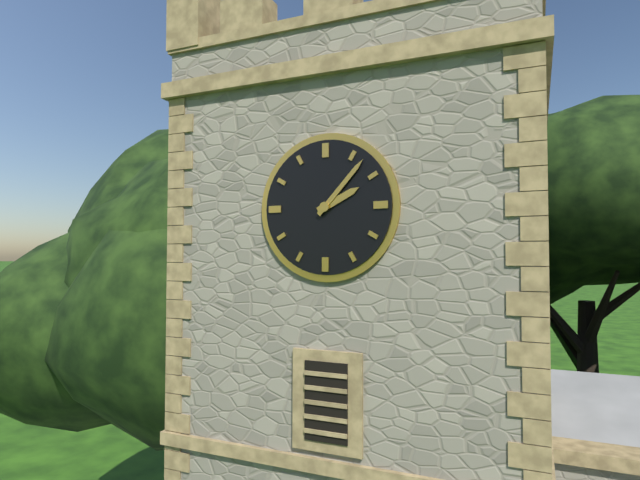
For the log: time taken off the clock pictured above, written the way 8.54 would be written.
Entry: 2.07
